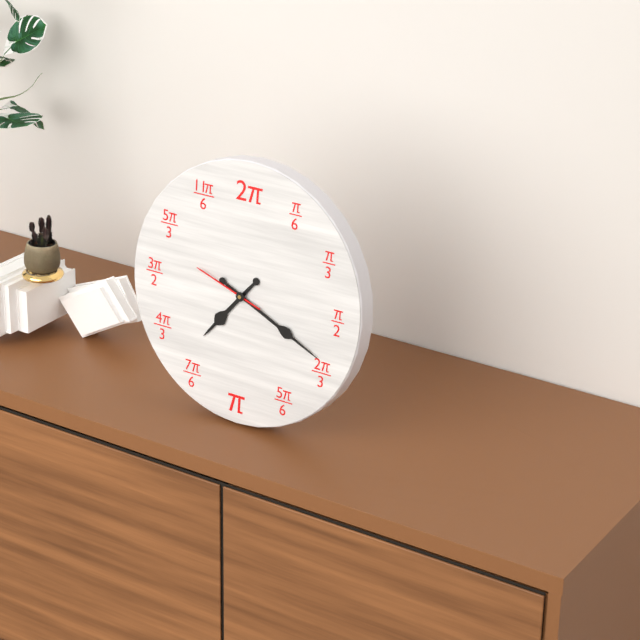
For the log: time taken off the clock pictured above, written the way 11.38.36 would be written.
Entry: 7.19.48
